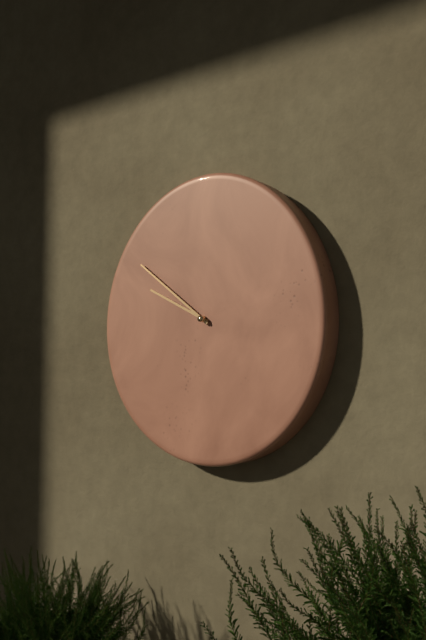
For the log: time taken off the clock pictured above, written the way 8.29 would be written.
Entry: 9.51
